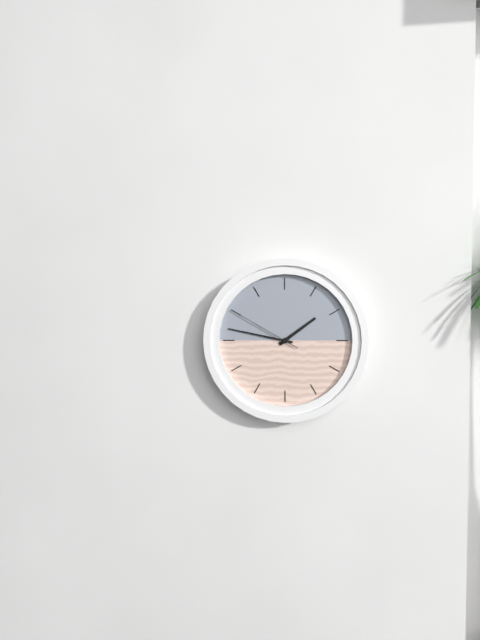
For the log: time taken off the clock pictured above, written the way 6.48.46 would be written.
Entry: 1.47.50
